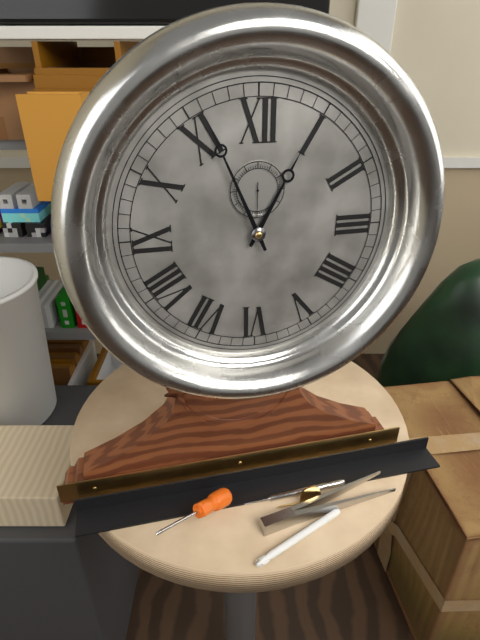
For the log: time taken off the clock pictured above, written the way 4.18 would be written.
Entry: 12.56
